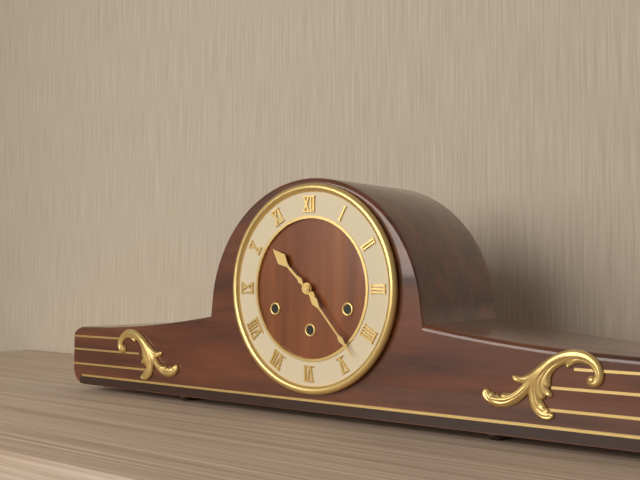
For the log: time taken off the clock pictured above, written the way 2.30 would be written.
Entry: 10.23
